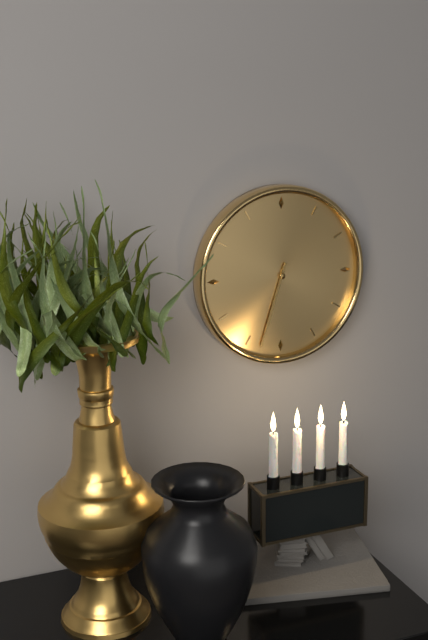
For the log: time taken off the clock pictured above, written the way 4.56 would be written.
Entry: 6.33
